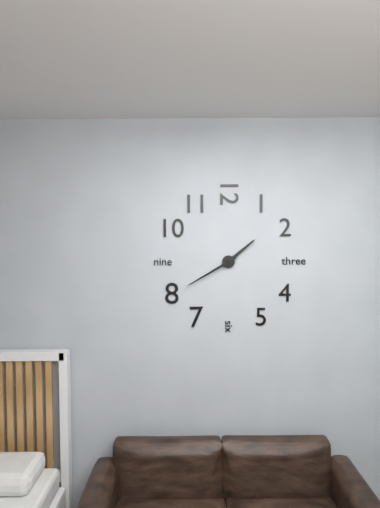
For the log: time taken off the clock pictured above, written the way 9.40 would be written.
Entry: 1.40
